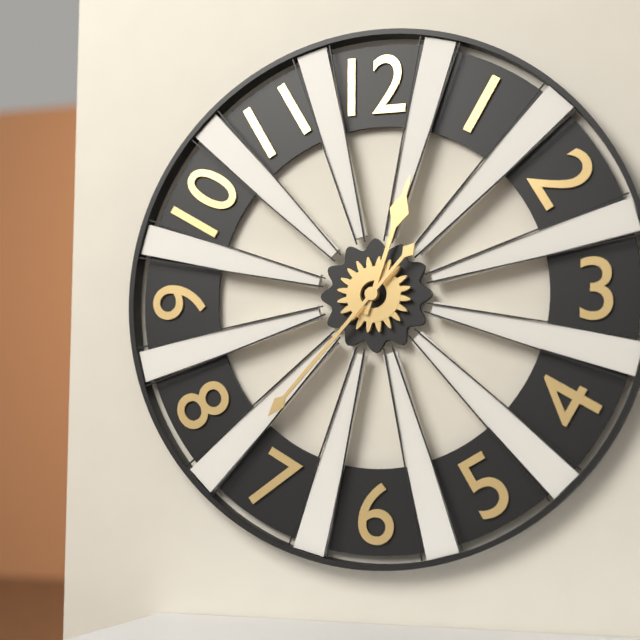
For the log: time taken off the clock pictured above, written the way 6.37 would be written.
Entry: 12.37
